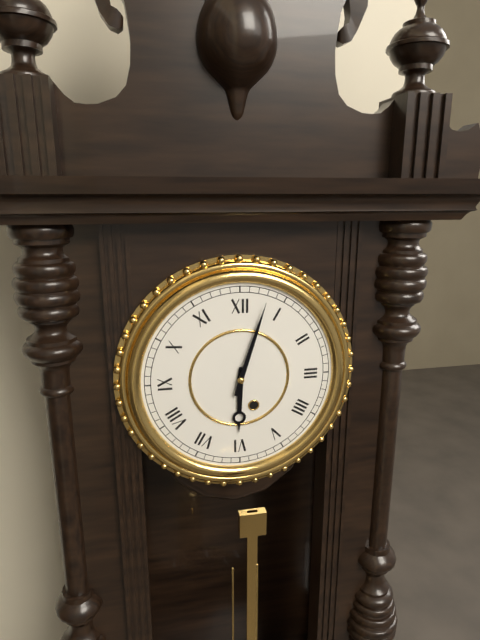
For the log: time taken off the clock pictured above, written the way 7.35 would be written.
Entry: 6.03
